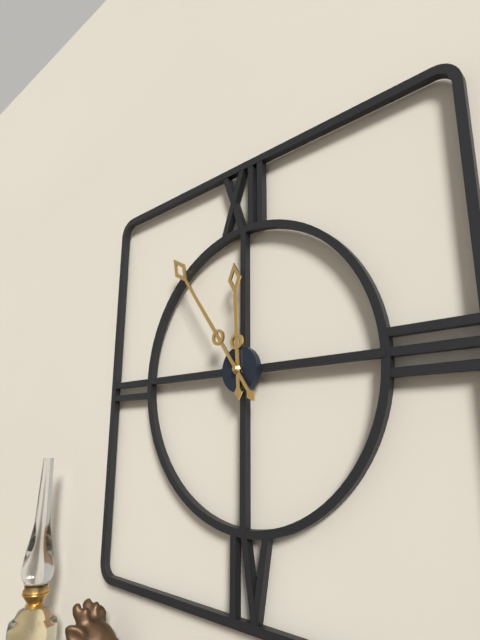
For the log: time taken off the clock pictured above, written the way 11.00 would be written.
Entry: 11.54
